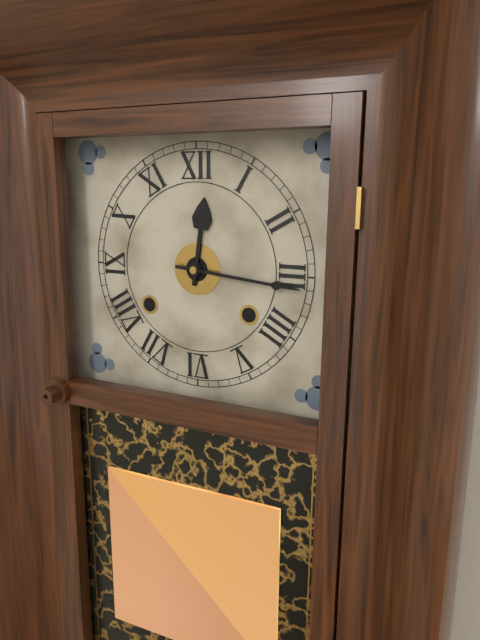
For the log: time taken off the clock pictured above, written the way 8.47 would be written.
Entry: 12.16
